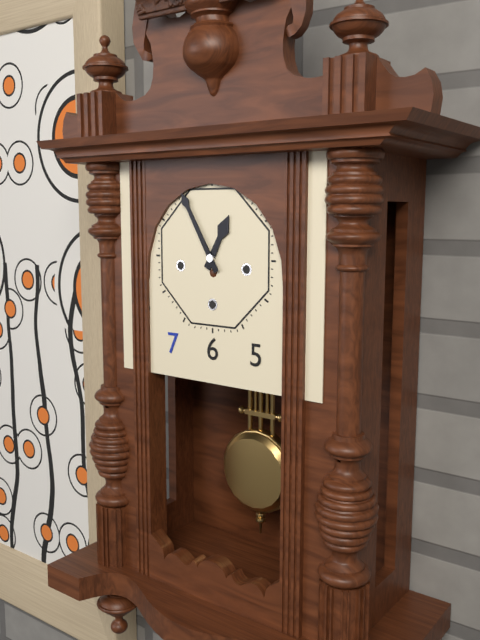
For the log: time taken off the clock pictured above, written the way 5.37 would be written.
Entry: 12.55
